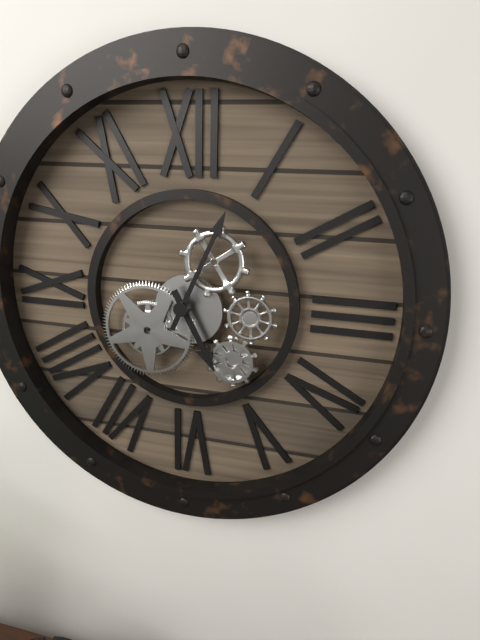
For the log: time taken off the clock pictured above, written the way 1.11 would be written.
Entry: 5.04
